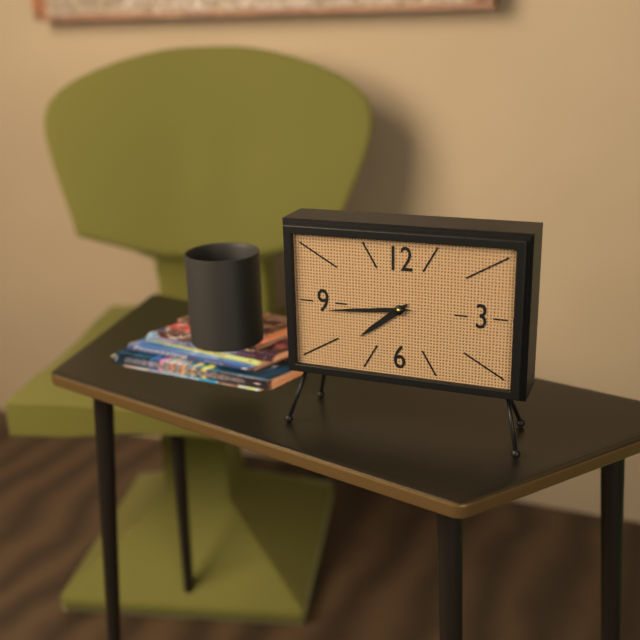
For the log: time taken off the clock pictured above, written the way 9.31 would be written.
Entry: 7.44
